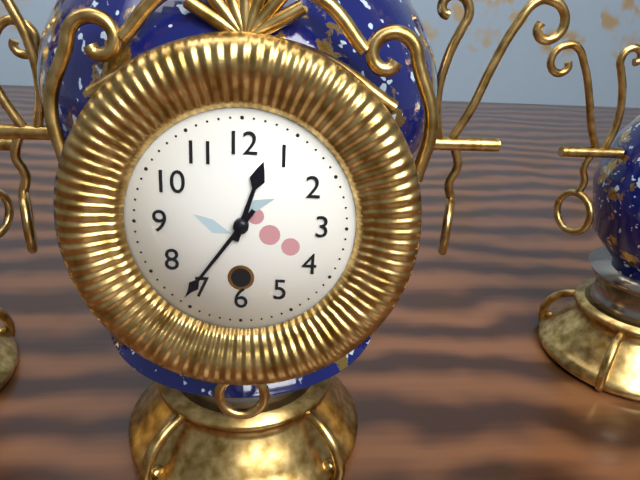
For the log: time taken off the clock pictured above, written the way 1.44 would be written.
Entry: 12.36
